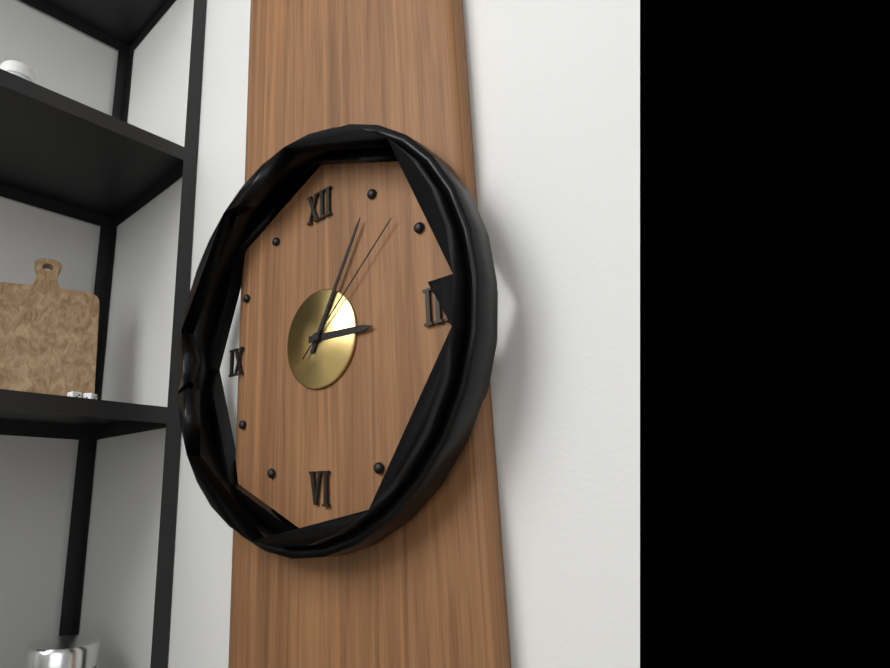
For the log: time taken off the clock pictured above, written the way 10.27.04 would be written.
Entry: 3.05.08
